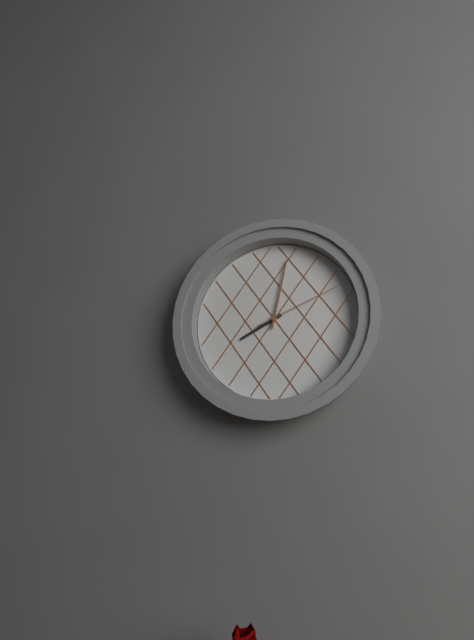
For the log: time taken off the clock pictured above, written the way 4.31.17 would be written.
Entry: 8.02.11
